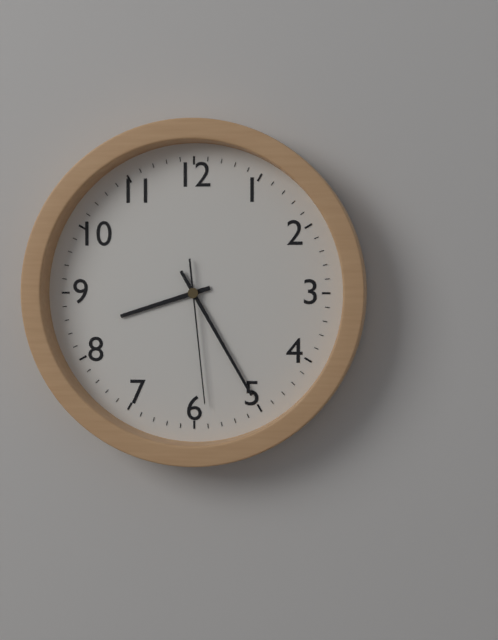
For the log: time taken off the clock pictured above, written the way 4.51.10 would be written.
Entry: 8.25.29
